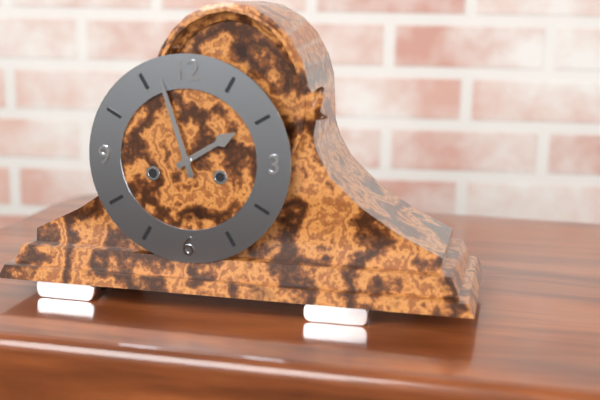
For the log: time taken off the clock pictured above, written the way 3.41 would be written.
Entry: 1.57
